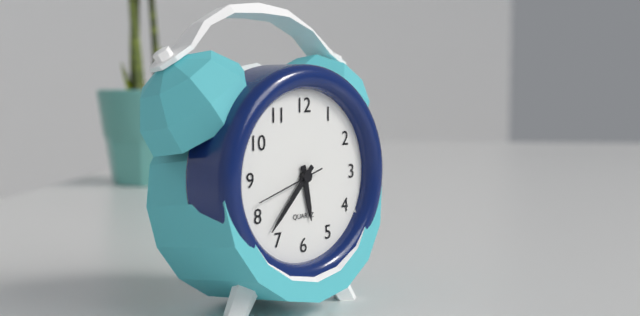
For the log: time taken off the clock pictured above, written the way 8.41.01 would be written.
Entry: 5.37.42
